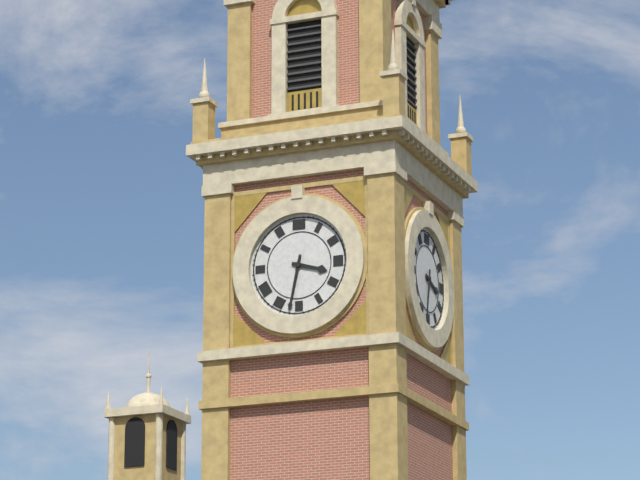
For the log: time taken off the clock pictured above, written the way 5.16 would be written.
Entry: 3.32
